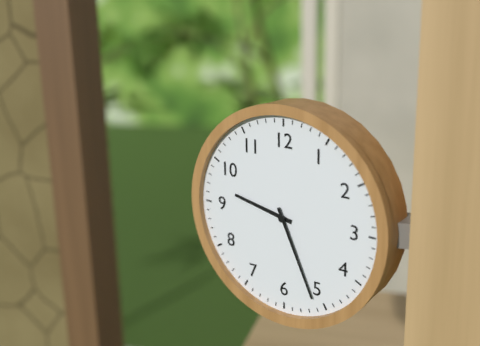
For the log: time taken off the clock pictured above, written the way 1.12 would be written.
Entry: 9.26
